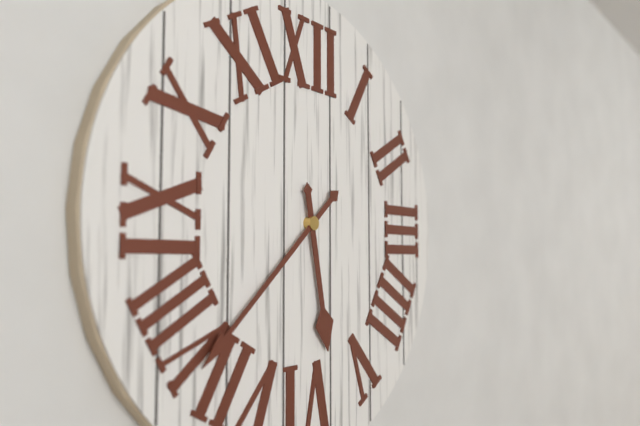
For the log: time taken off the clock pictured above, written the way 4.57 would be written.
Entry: 5.38
